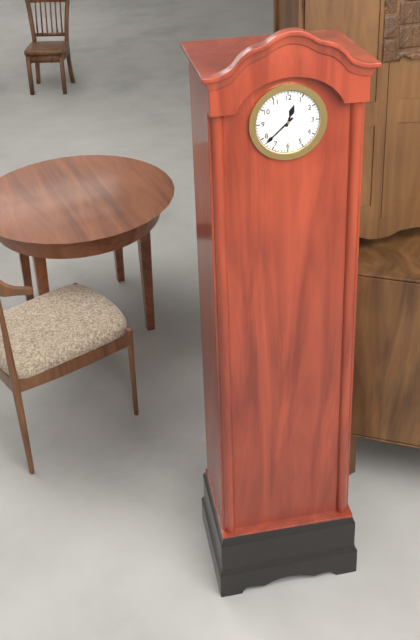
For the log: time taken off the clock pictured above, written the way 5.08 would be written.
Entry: 12.38
